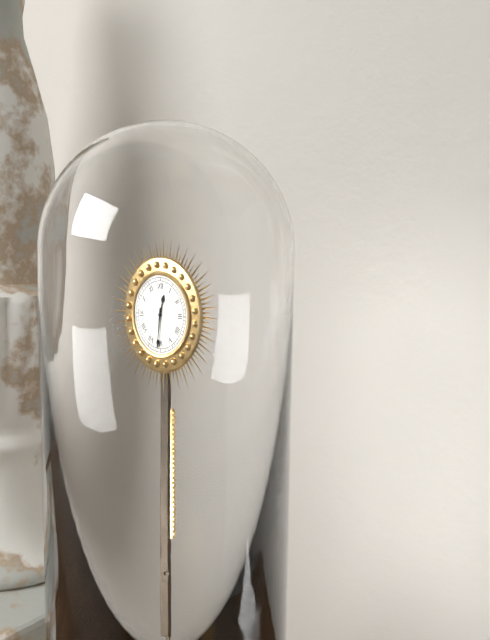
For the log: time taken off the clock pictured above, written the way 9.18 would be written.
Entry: 12.31
